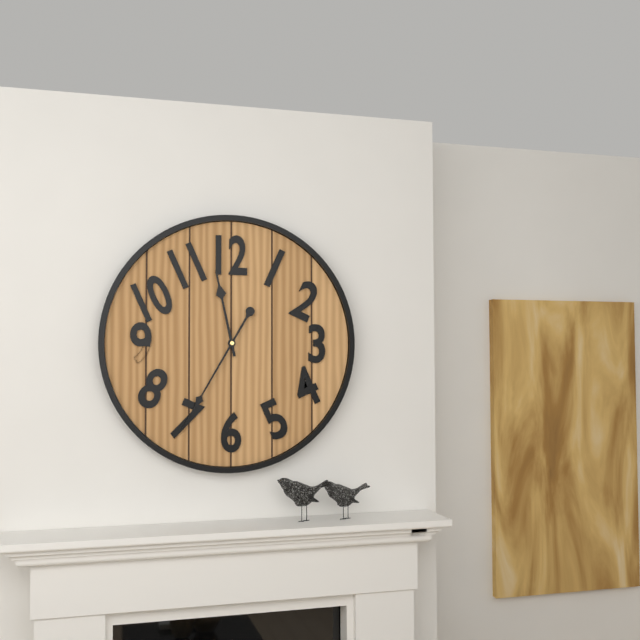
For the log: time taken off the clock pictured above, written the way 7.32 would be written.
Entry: 11.35
